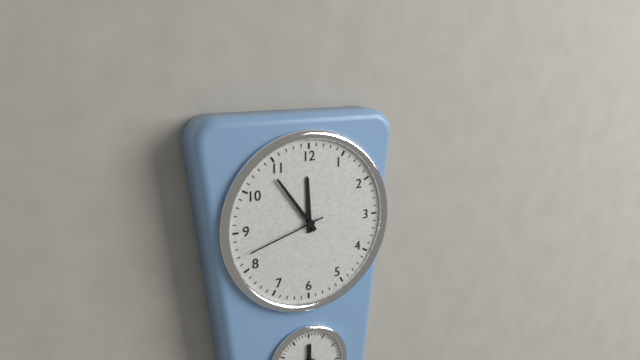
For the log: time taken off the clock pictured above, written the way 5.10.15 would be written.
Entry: 11.54.42
